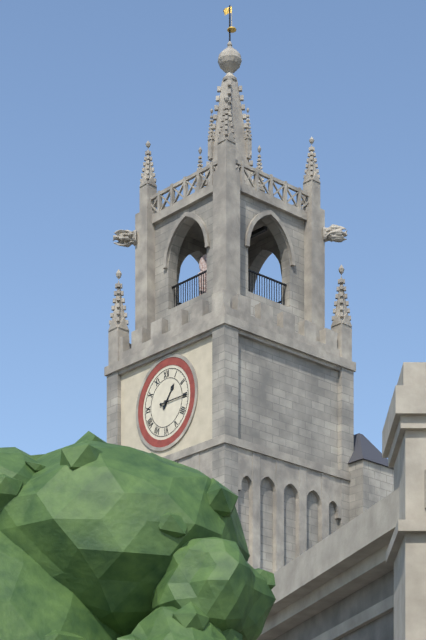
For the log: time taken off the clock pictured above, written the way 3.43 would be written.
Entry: 1.15
